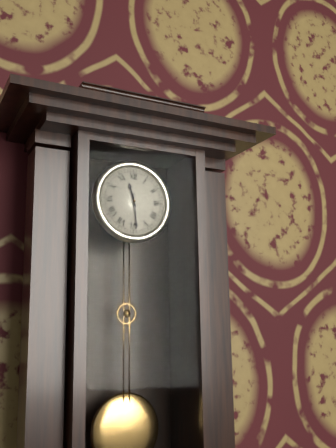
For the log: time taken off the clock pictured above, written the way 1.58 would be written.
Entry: 11.29
